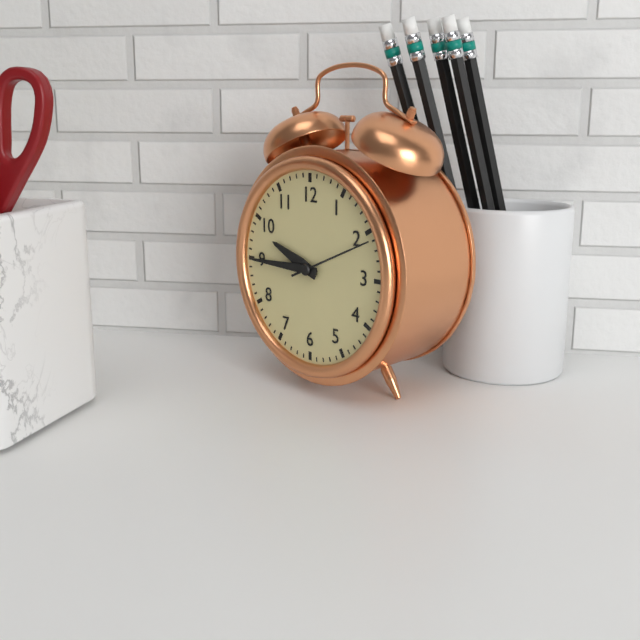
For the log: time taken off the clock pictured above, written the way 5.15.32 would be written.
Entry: 9.45.11
